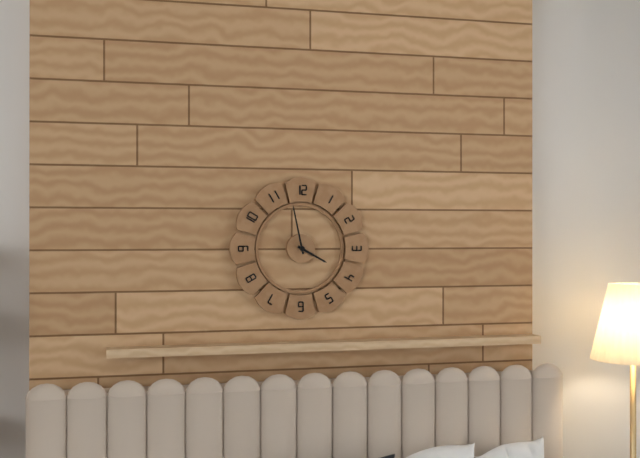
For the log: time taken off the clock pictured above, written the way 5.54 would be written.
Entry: 3.58
